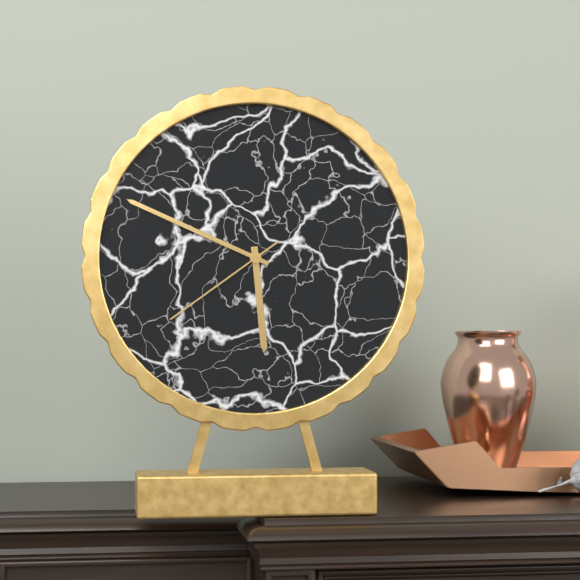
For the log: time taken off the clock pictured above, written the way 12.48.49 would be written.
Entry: 5.49.39
